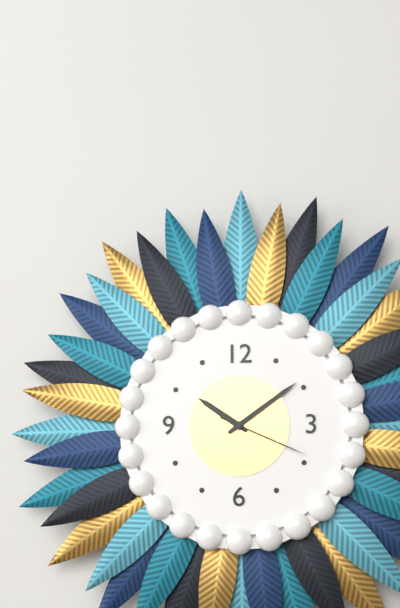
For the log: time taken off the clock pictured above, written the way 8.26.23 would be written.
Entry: 10.09.19
